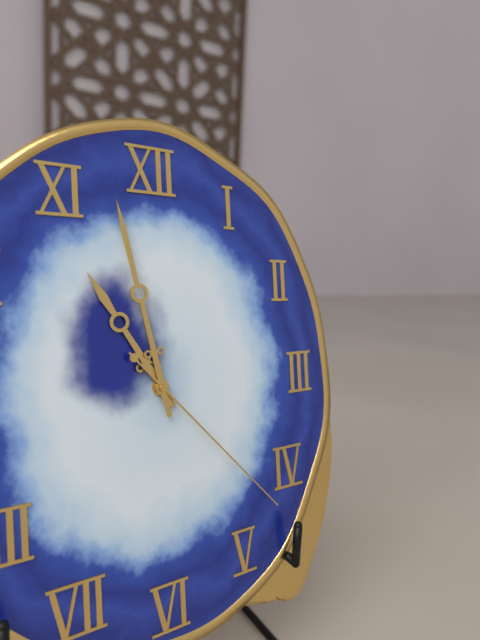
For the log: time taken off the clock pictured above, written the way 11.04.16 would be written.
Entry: 10.58.23
